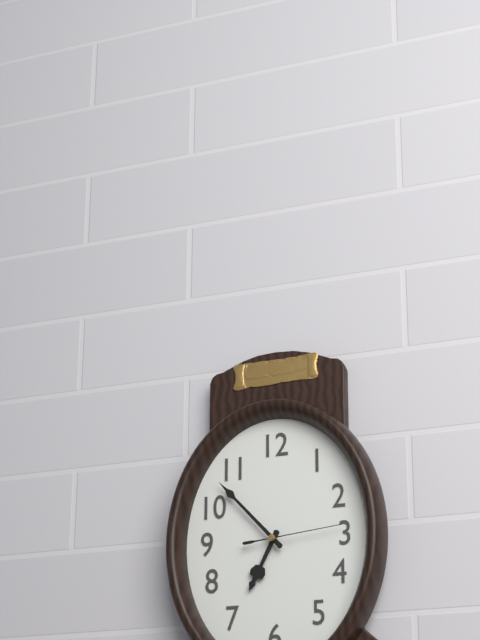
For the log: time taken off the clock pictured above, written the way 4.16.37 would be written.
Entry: 6.53.14
